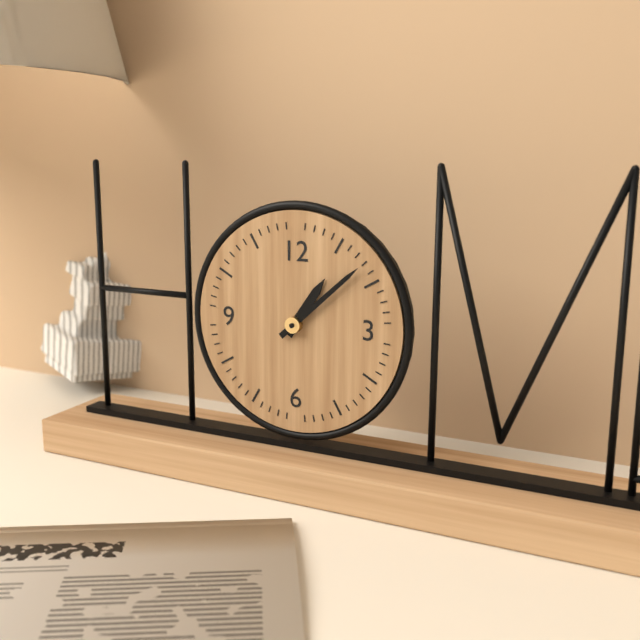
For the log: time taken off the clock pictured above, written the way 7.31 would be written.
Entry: 1.08
